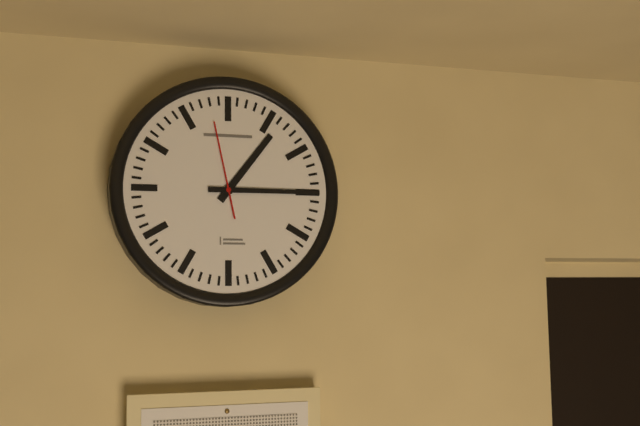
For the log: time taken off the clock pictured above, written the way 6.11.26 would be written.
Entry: 1.15.58
